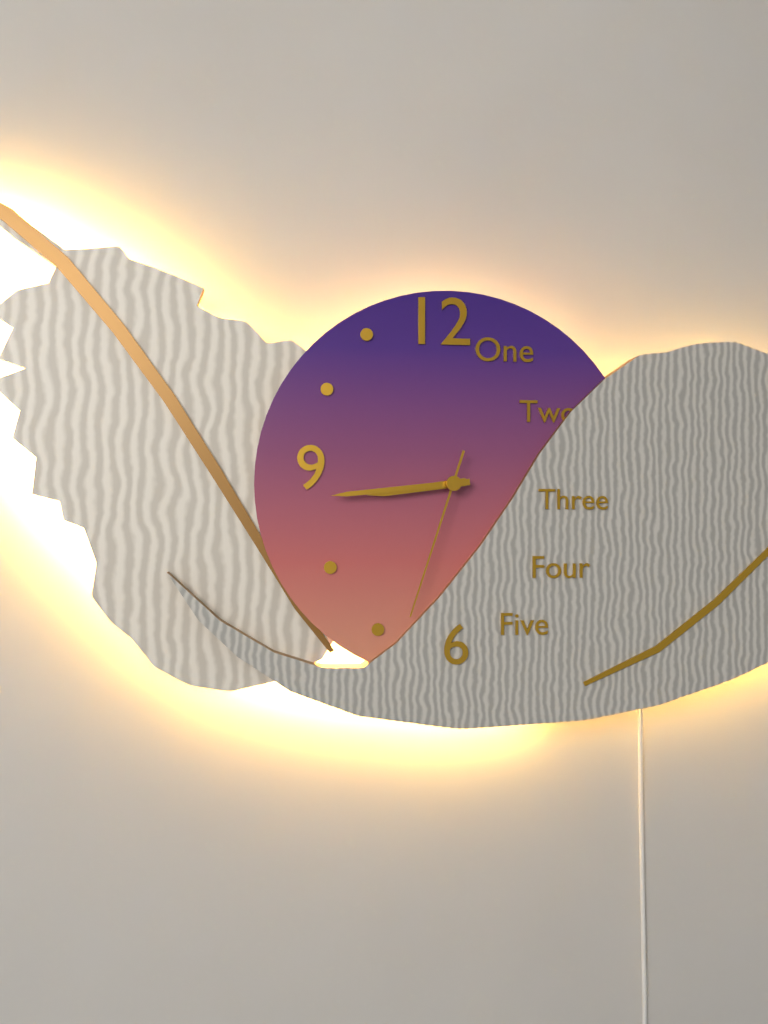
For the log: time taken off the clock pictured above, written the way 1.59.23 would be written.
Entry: 8.44.33
